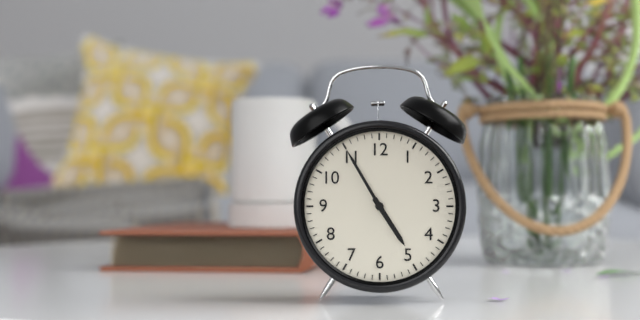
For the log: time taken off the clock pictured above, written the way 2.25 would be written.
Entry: 4.55
